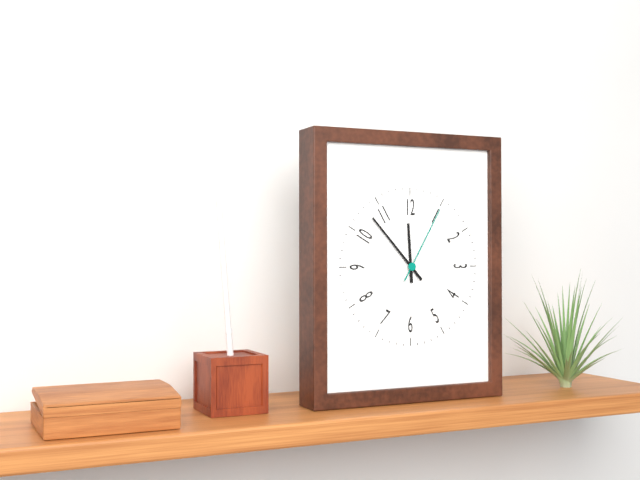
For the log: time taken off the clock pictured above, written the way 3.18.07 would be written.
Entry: 11.53.05
